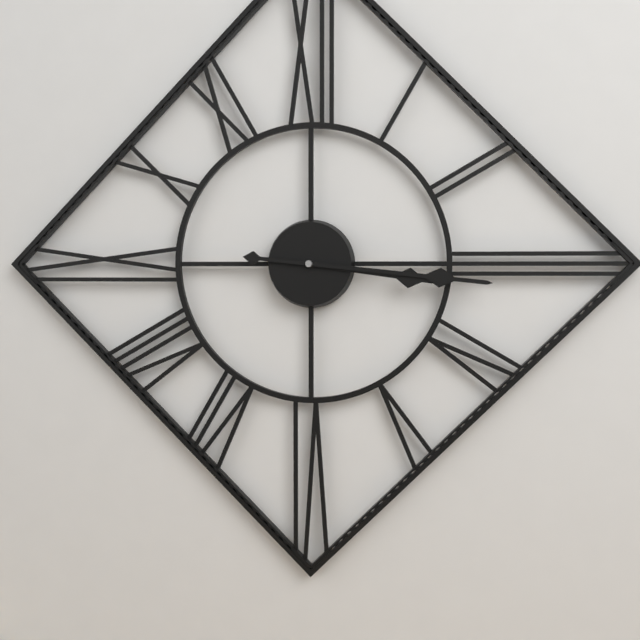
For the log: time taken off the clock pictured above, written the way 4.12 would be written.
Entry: 3.16
